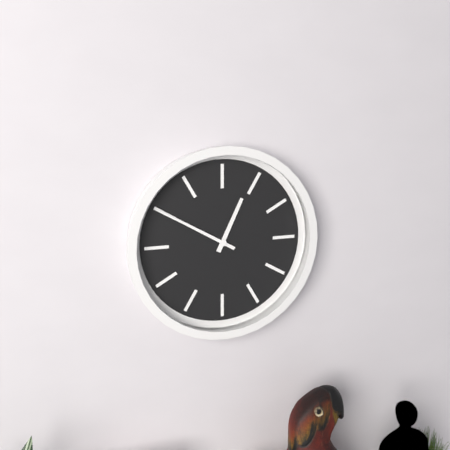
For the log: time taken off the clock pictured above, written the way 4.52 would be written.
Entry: 12.50
